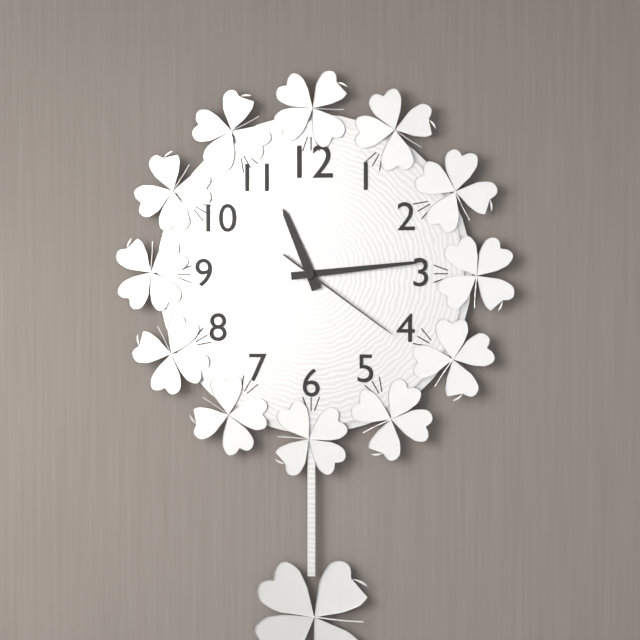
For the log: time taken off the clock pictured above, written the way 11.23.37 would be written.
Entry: 11.14.21
